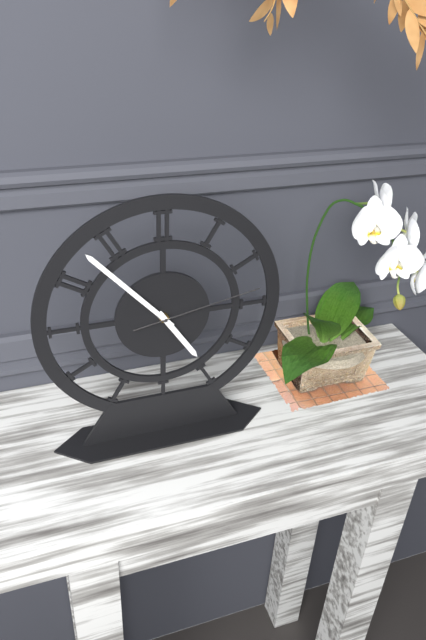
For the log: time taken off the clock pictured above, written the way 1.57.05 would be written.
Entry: 4.53.13
